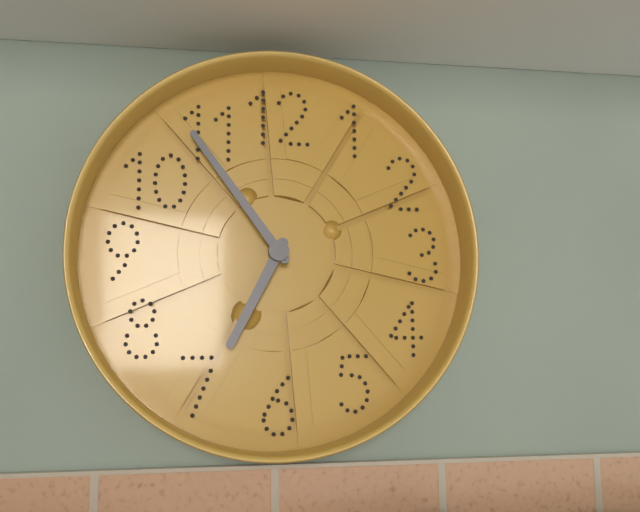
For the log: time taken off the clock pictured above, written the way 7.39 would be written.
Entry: 6.54
